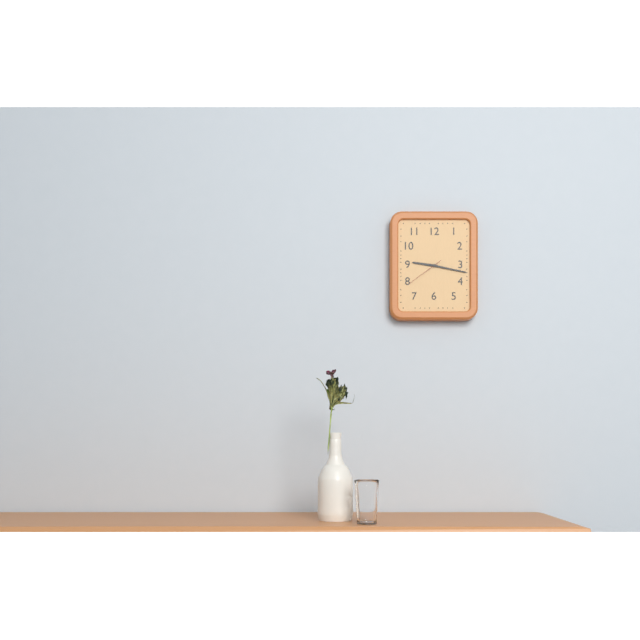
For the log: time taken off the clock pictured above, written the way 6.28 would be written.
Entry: 9.17
